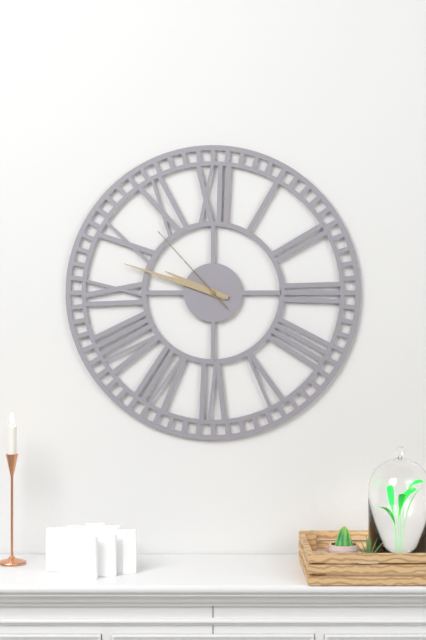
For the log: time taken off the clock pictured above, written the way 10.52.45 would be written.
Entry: 9.48.53
